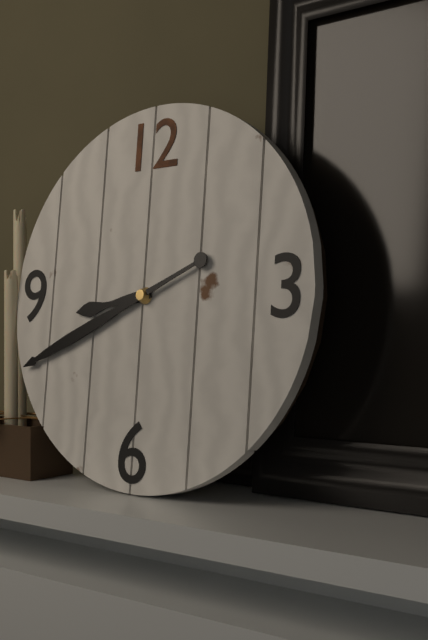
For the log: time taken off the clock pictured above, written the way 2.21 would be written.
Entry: 8.41
